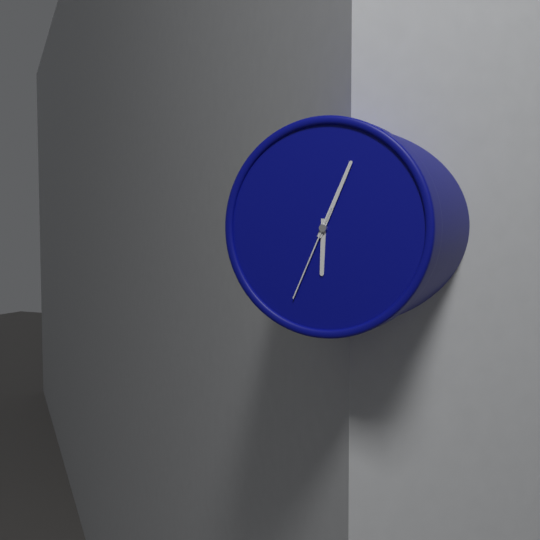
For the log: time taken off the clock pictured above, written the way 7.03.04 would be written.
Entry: 6.04.34
